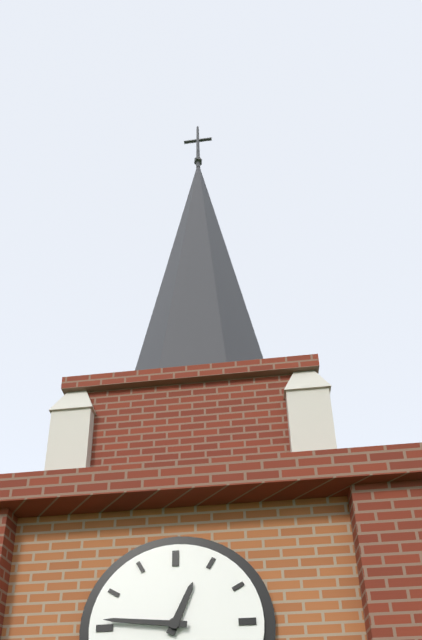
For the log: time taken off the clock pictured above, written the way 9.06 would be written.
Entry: 12.46
